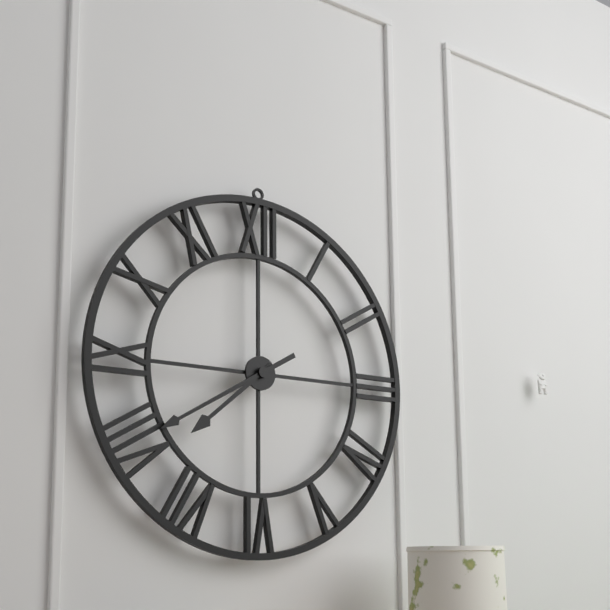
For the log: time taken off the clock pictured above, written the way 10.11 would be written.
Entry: 7.40
